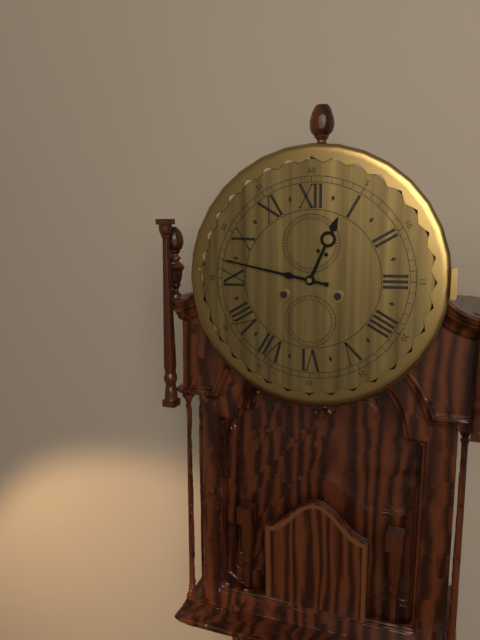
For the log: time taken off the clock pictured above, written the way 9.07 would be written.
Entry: 12.47
